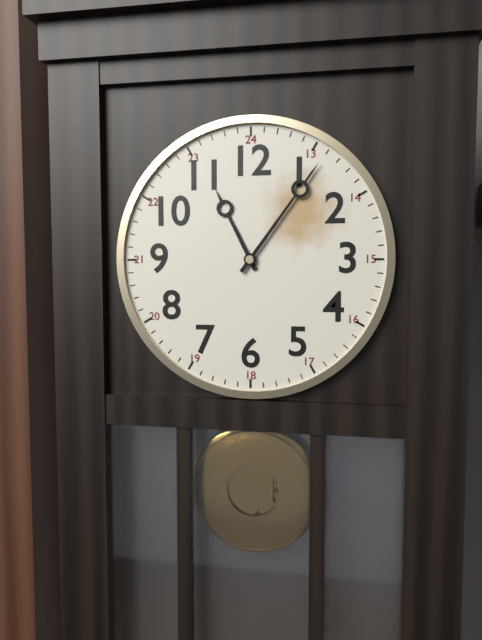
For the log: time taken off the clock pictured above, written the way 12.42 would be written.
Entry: 11.06
